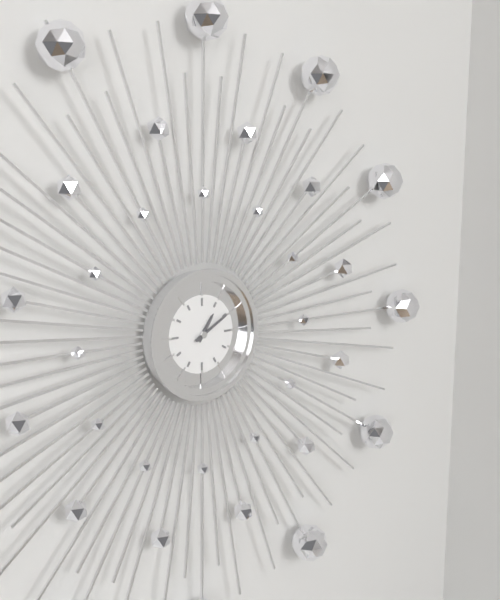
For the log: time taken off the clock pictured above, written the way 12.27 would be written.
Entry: 1.10
